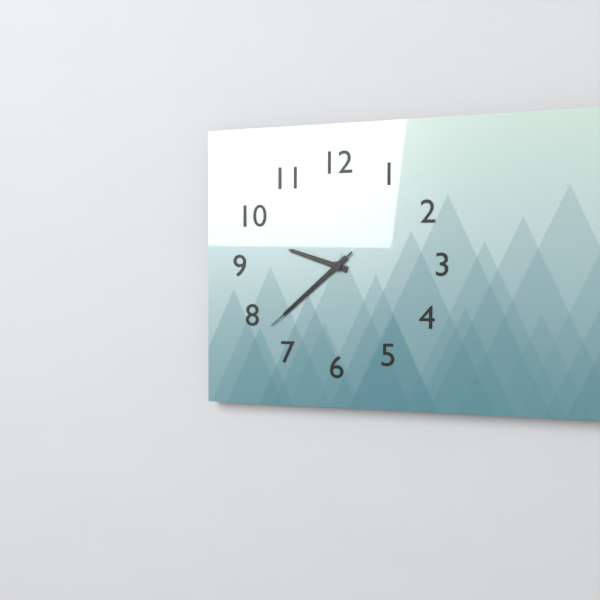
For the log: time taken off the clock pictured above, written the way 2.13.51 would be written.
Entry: 9.38.38
